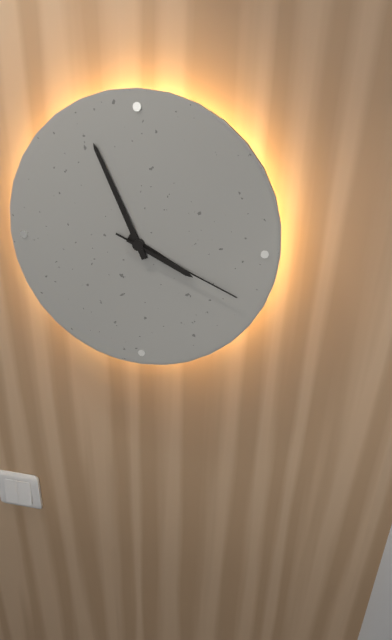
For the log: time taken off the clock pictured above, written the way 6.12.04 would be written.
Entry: 3.56.19
